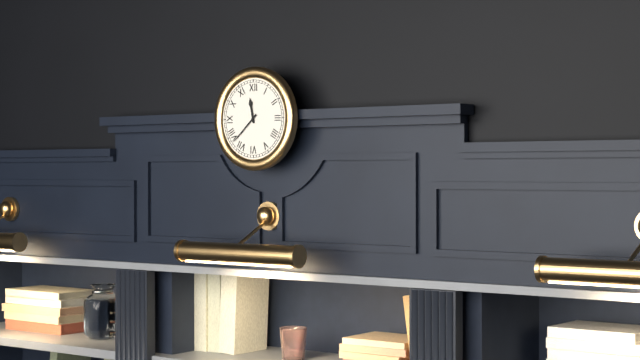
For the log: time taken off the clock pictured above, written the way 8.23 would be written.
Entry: 11.38
